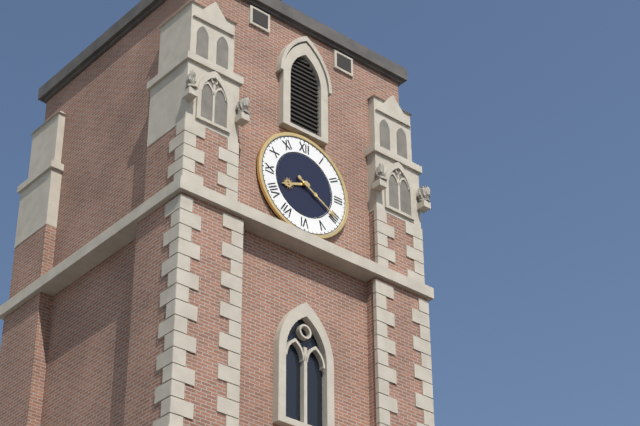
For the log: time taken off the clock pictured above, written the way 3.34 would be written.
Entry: 8.20
